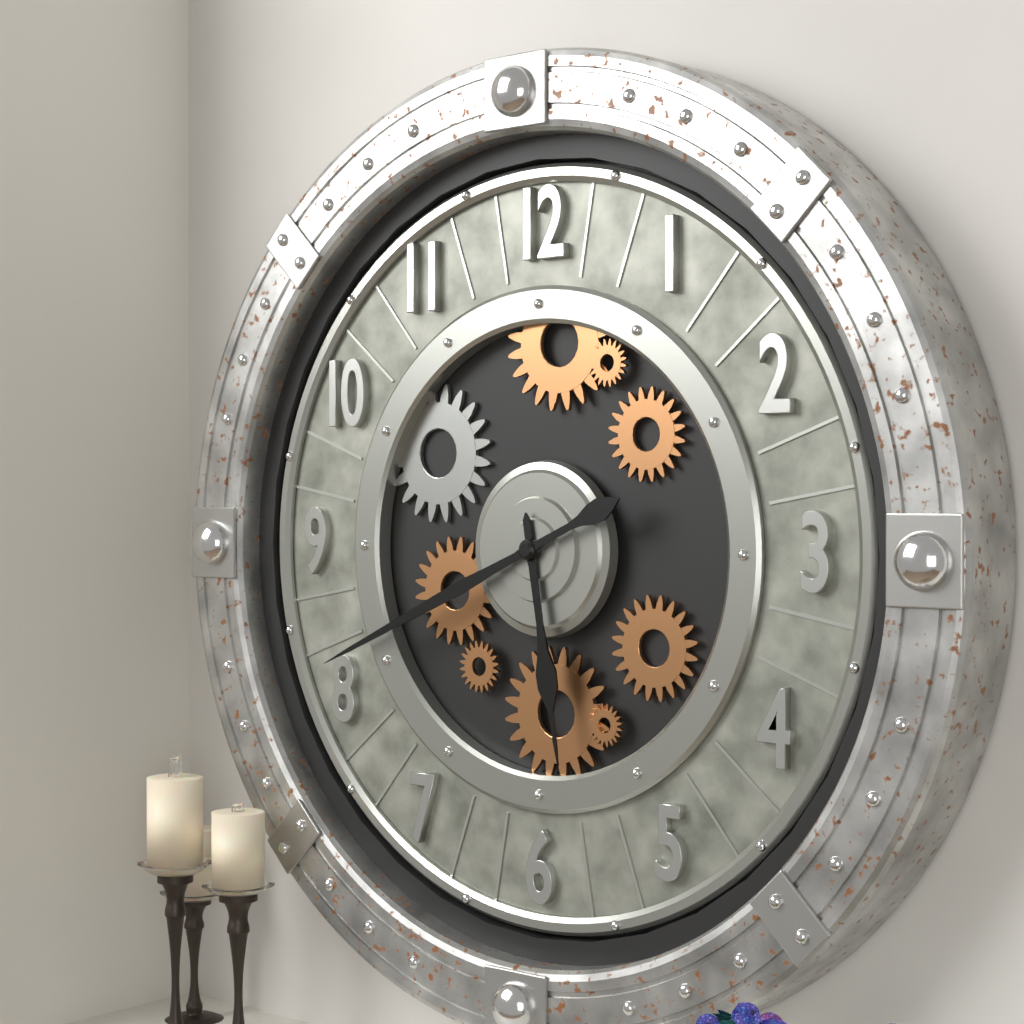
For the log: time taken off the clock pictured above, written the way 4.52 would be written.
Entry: 5.41
